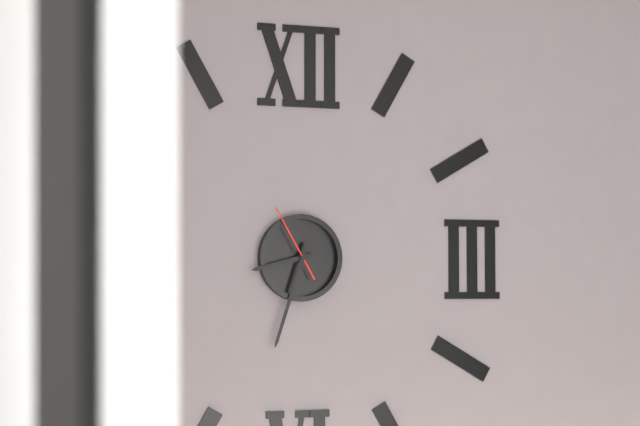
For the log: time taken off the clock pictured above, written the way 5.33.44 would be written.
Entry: 8.33.55
